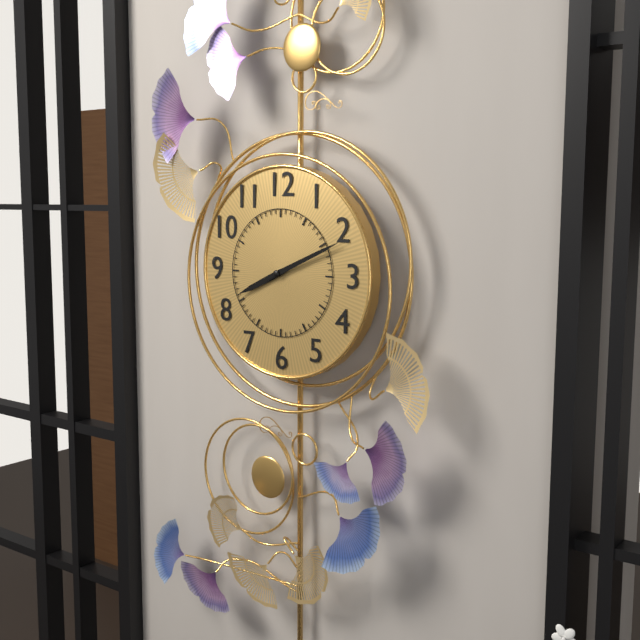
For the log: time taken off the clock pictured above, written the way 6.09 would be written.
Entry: 8.11
